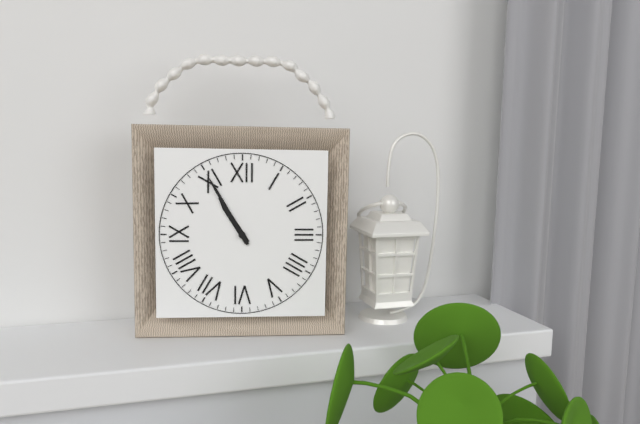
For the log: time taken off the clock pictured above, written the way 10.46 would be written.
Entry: 10.55
